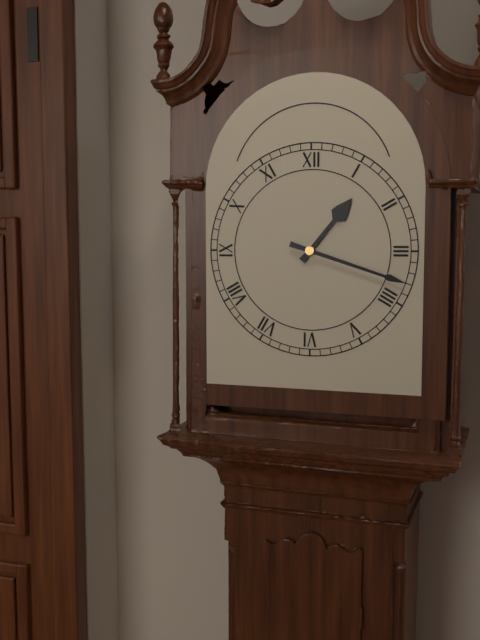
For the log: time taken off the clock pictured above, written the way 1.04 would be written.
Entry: 1.18
